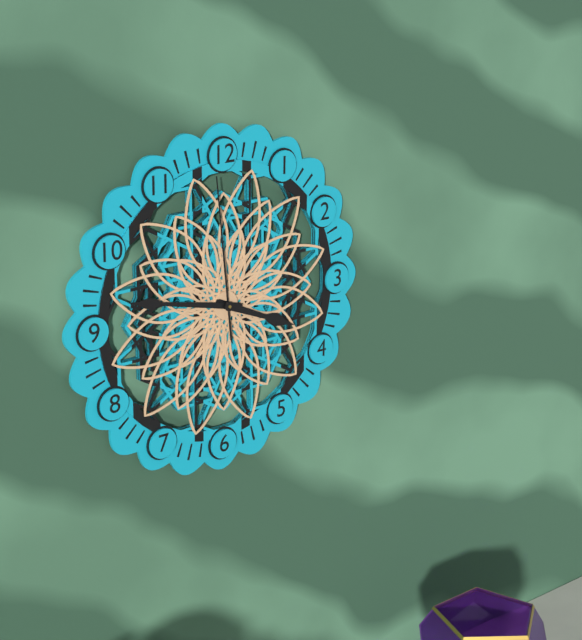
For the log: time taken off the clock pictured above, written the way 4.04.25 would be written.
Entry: 3.47.59
